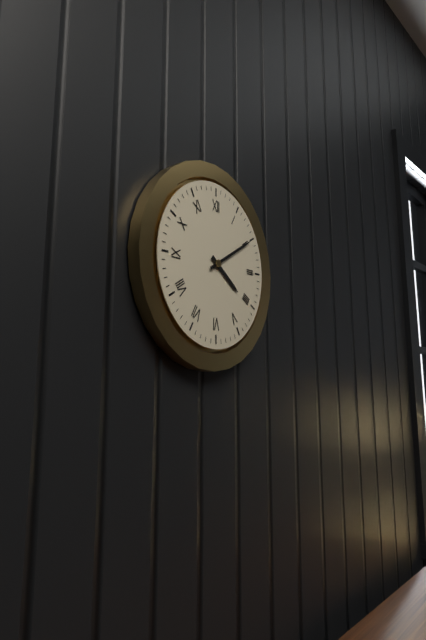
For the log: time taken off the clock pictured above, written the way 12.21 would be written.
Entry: 4.10
